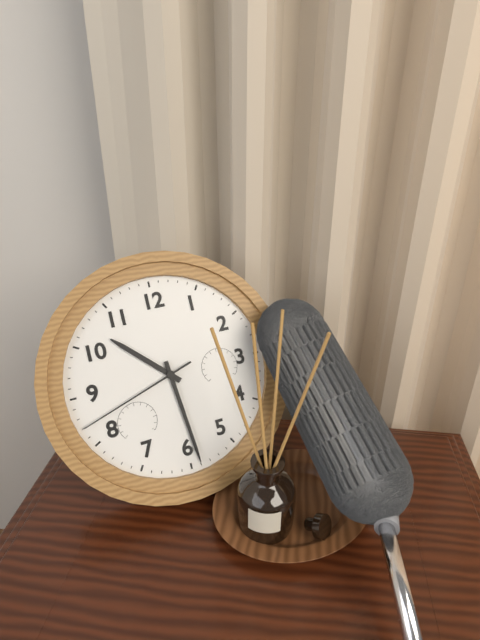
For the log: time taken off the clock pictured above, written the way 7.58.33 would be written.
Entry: 10.29.42
